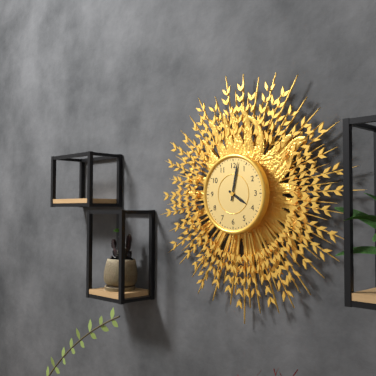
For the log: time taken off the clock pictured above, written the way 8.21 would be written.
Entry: 4.02
